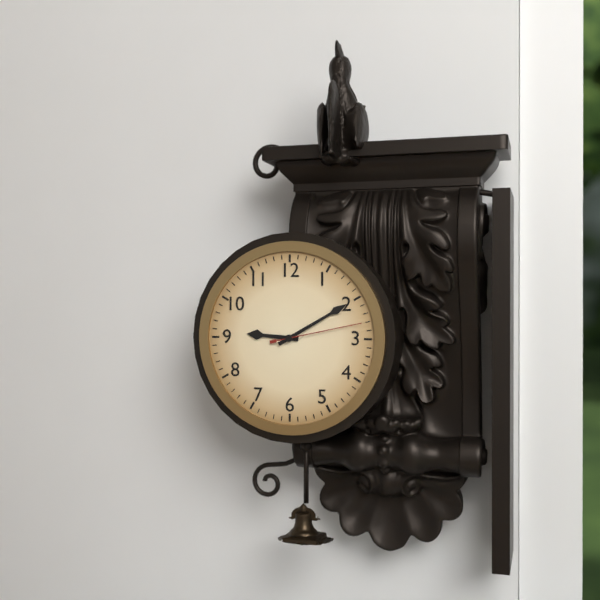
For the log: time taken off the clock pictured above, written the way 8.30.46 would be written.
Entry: 9.10.13
